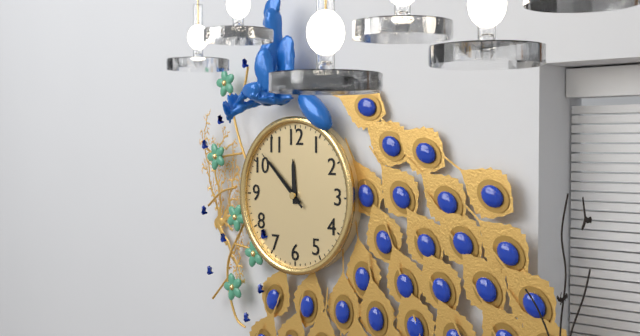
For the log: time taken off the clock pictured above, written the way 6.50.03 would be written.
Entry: 11.52.52
